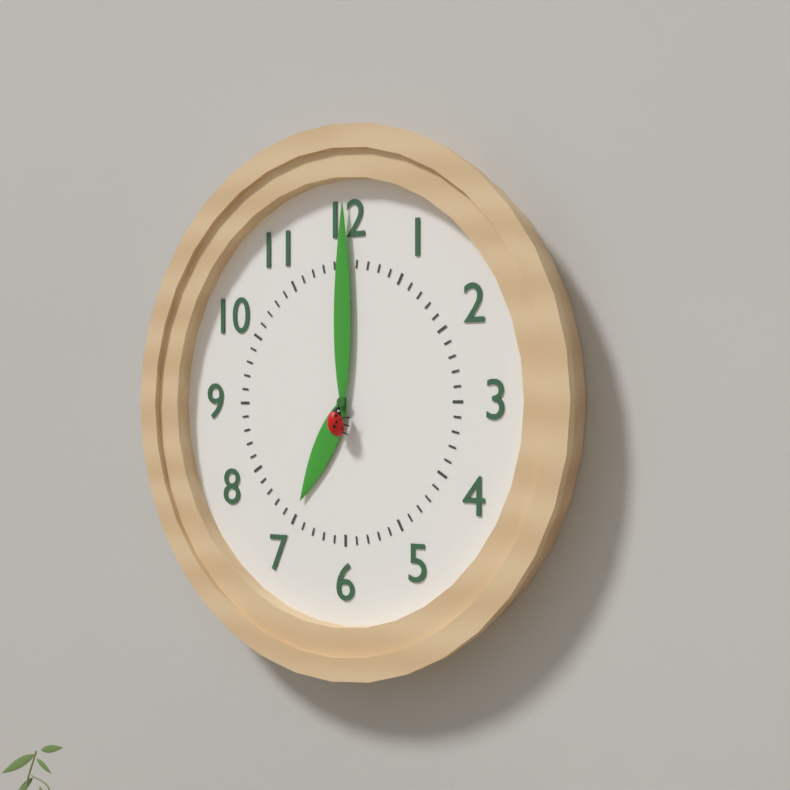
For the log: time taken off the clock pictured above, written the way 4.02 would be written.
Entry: 7.00
